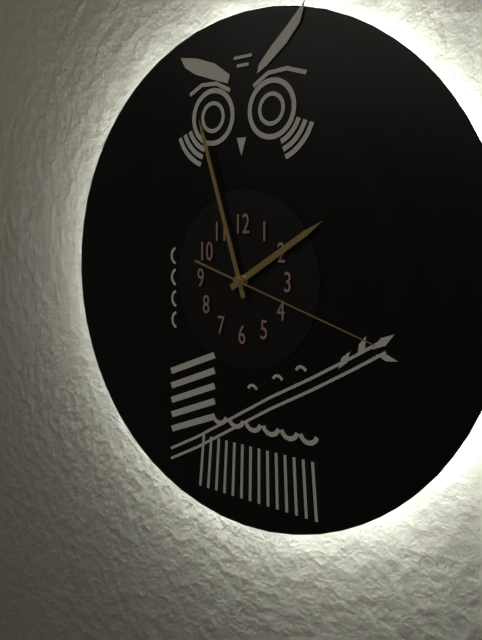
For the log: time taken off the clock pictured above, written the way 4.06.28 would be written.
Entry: 1.57.18
